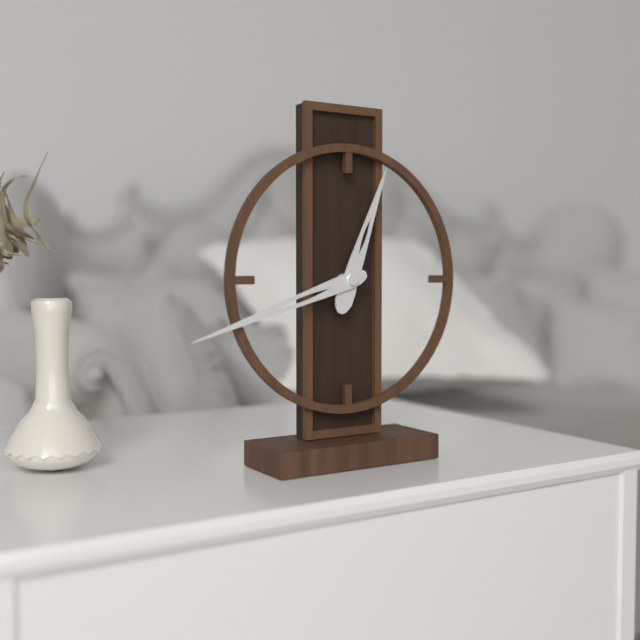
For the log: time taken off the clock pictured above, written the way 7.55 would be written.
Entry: 12.42
